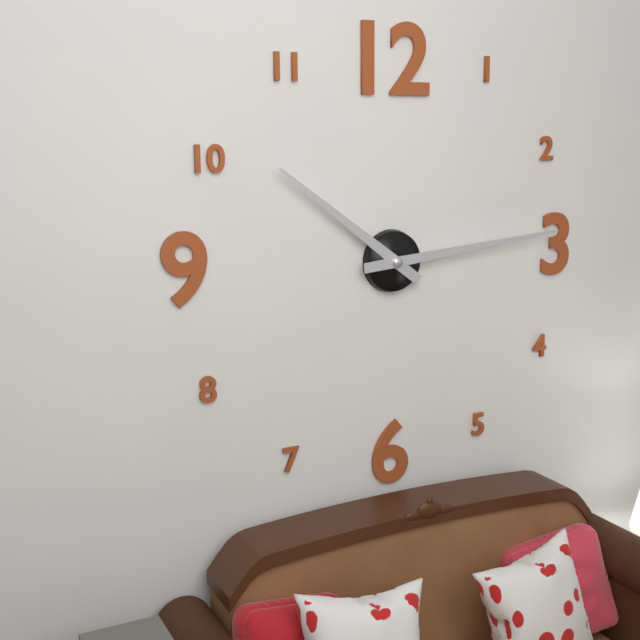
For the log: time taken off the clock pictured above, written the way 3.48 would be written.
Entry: 10.14
